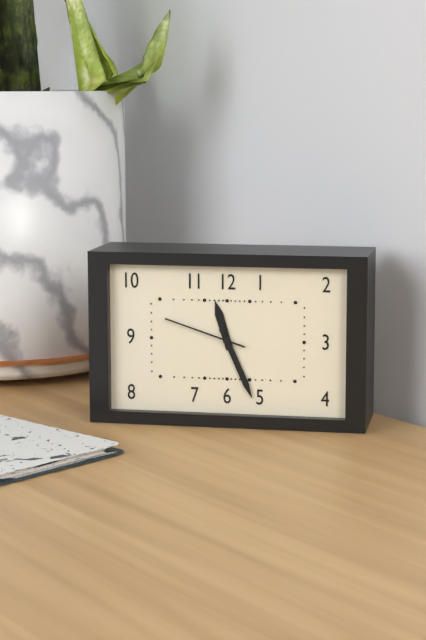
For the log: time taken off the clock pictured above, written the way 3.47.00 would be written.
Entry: 11.26.48
